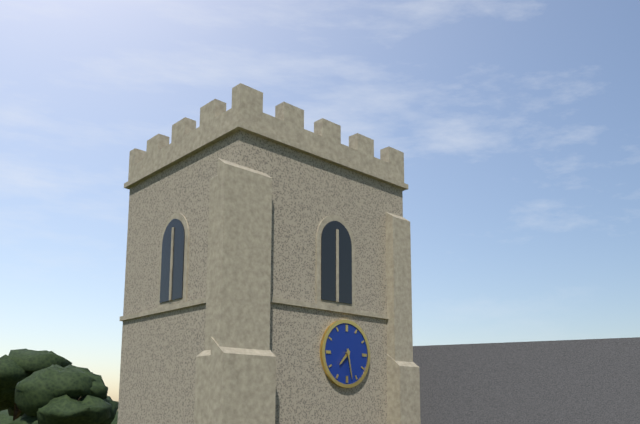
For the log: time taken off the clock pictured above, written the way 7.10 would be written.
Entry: 7.28
